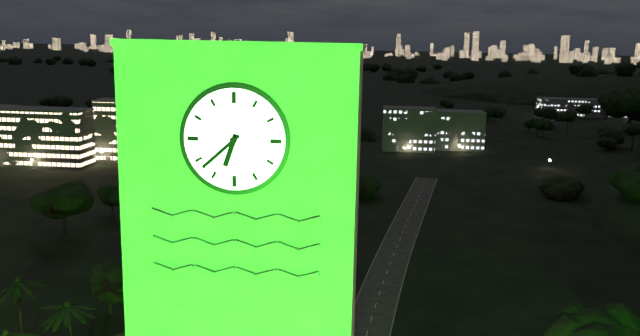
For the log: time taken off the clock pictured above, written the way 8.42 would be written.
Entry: 6.38
